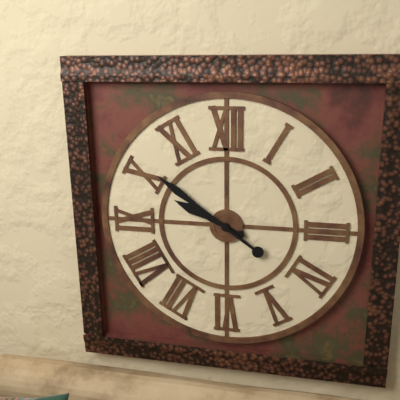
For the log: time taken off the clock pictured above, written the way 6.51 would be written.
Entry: 9.51
